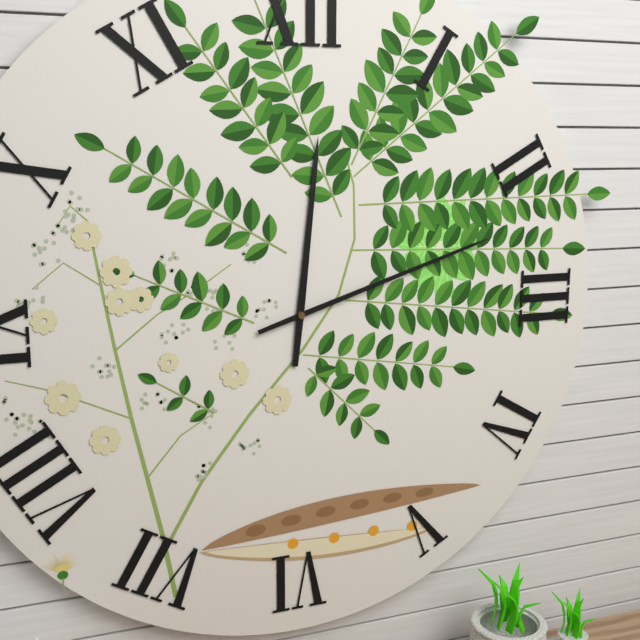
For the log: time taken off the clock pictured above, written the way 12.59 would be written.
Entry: 12.12
